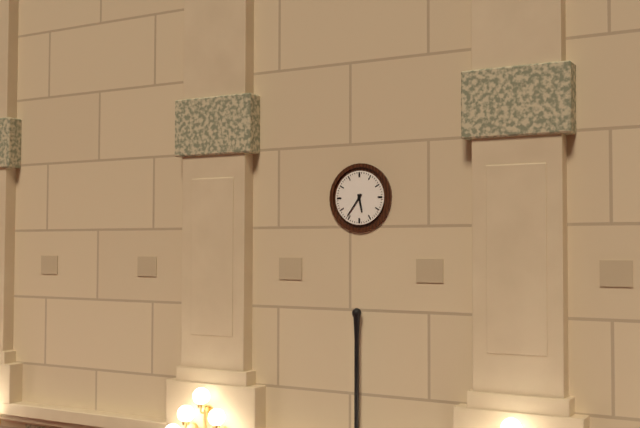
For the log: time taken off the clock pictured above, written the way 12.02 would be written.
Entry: 5.36
